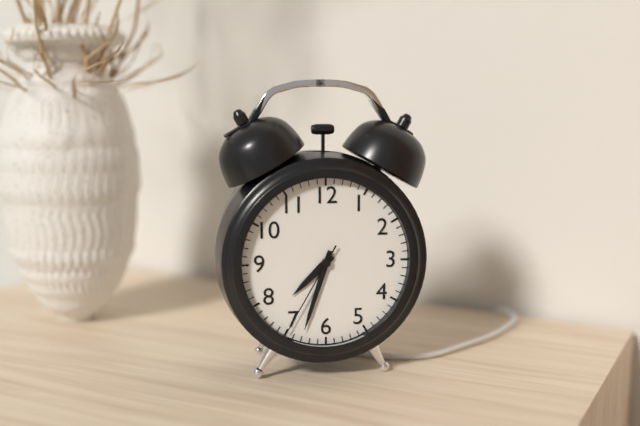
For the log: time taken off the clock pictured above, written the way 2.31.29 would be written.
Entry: 7.33.35
